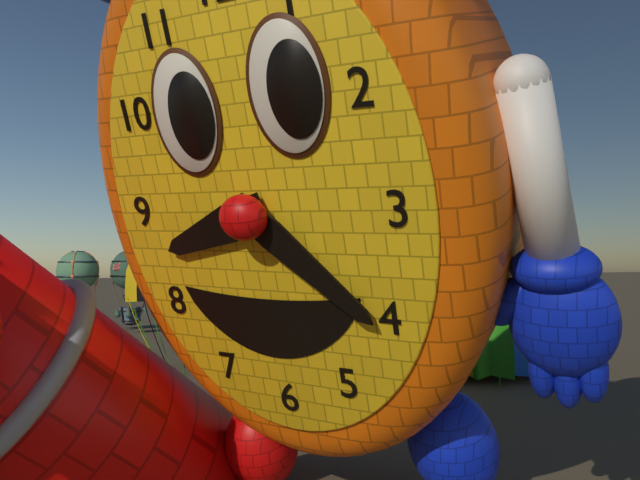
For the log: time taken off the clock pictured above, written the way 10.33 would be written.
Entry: 8.22
